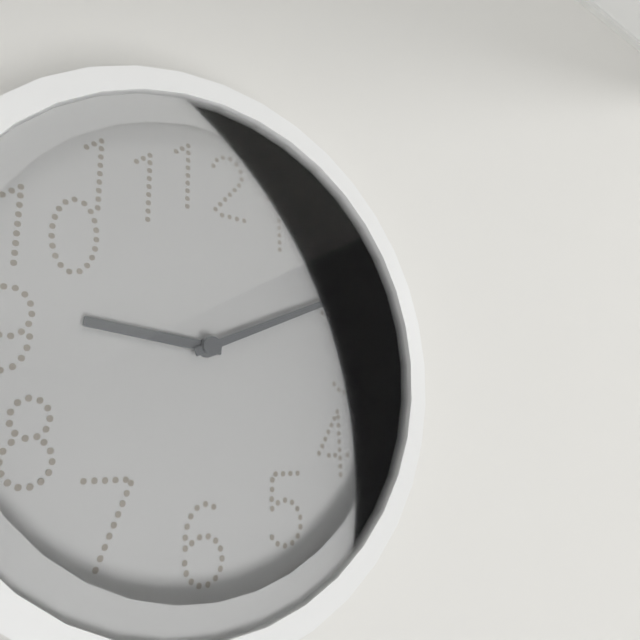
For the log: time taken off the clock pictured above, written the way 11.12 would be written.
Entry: 9.11
